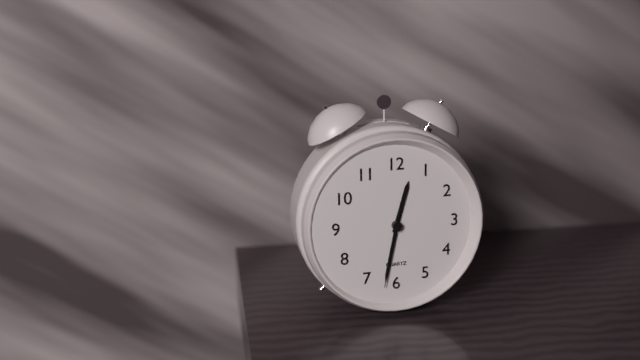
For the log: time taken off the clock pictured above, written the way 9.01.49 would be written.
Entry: 12.32.32
